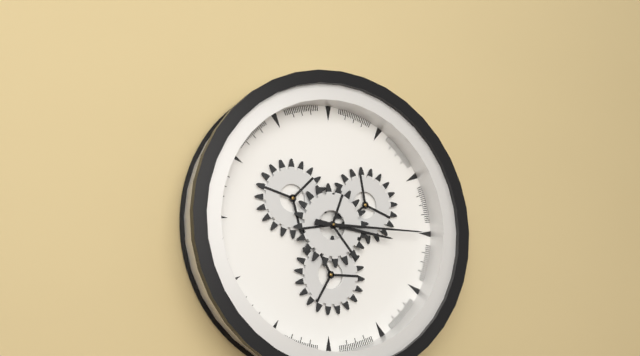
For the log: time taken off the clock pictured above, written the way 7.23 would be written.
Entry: 3.15
